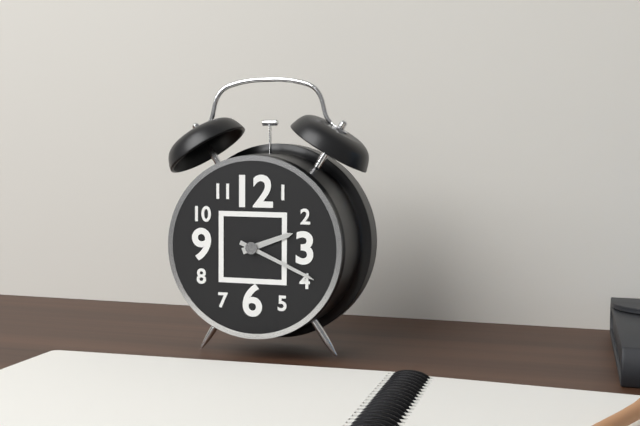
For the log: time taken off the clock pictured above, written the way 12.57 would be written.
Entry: 2.19
